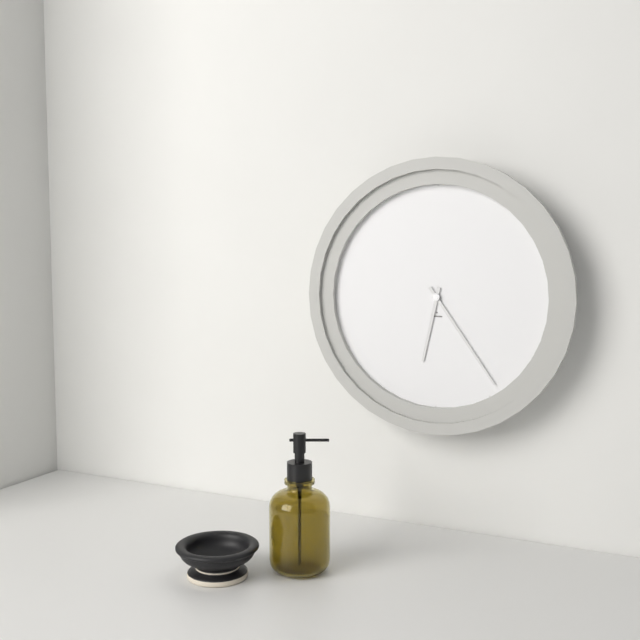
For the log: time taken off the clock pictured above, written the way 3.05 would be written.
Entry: 6.24
